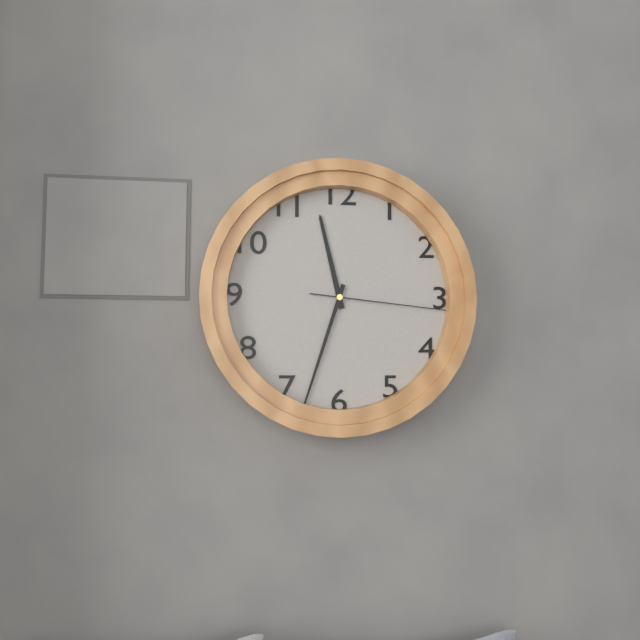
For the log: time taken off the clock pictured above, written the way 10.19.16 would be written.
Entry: 11.33.16
